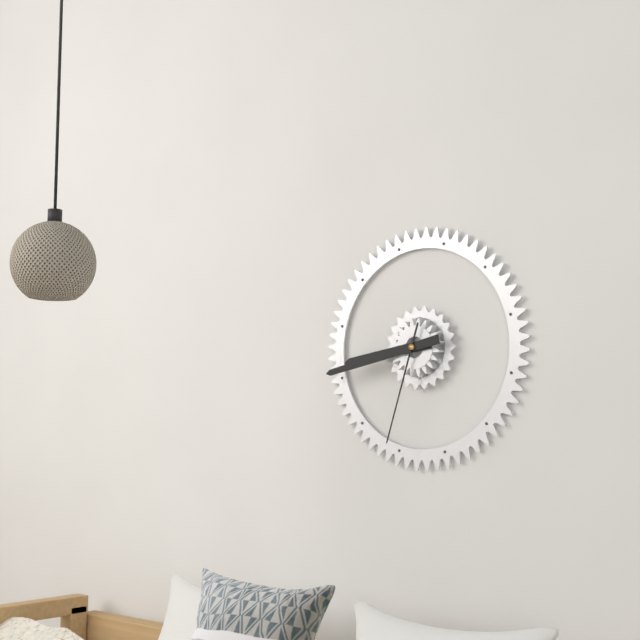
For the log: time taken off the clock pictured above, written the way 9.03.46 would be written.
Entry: 8.43.33
